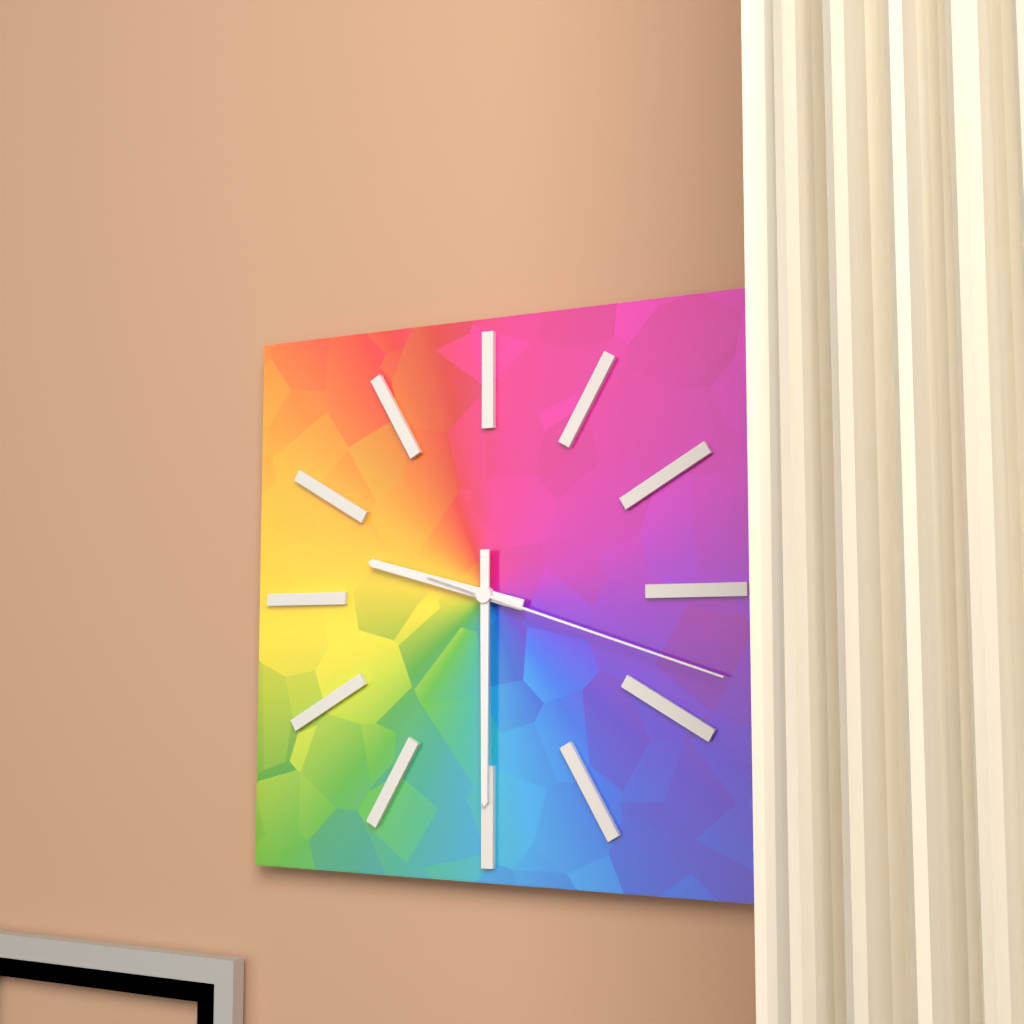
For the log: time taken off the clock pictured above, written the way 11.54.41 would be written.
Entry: 9.30.18
